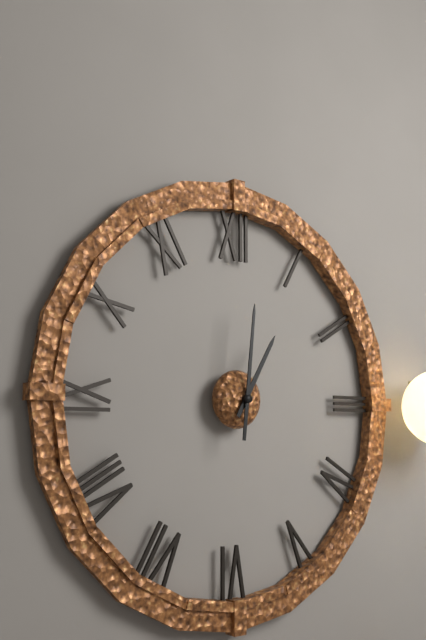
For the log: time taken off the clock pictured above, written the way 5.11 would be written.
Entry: 1.01
